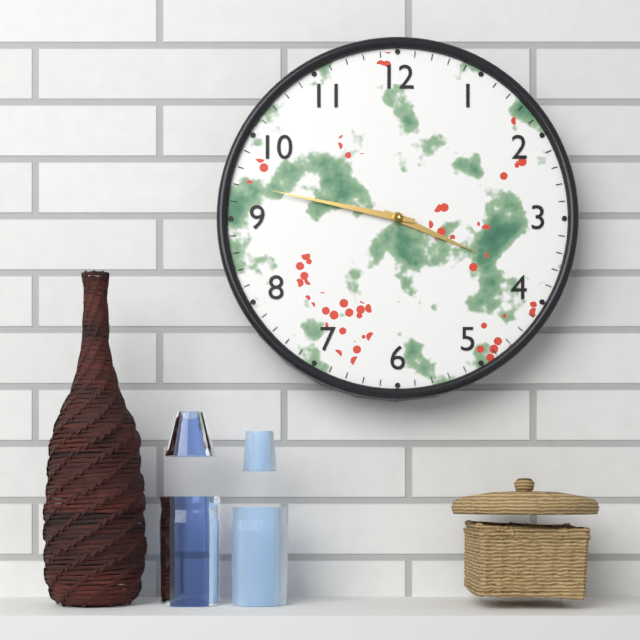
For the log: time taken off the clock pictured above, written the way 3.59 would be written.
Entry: 3.47
